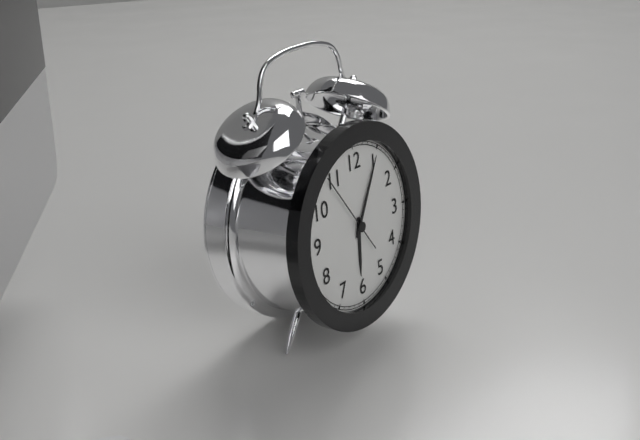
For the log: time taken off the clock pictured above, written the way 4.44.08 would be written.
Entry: 6.05.54
